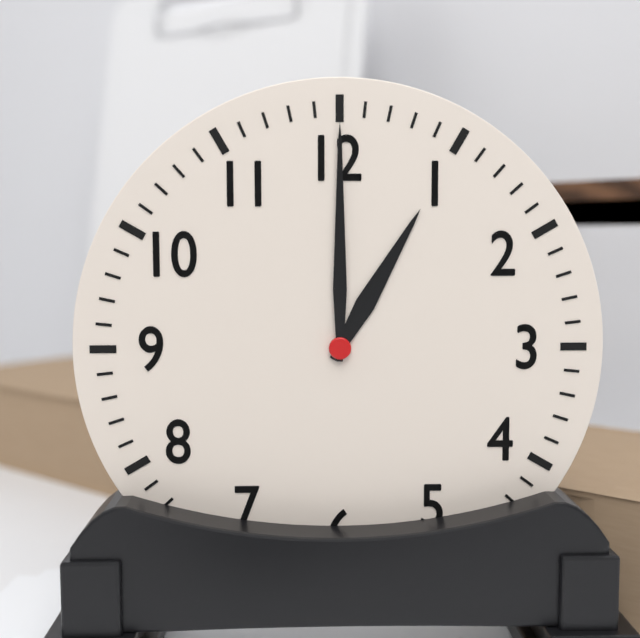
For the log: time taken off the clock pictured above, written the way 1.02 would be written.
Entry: 1.00
